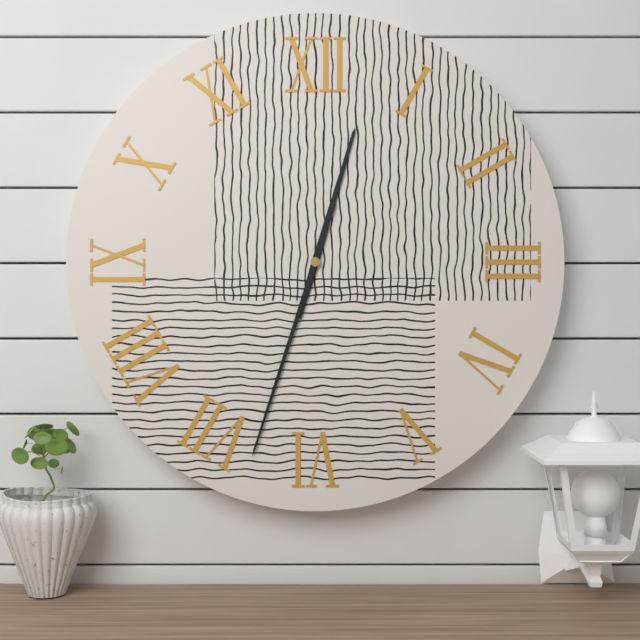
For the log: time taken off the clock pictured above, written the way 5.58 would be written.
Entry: 12.33
